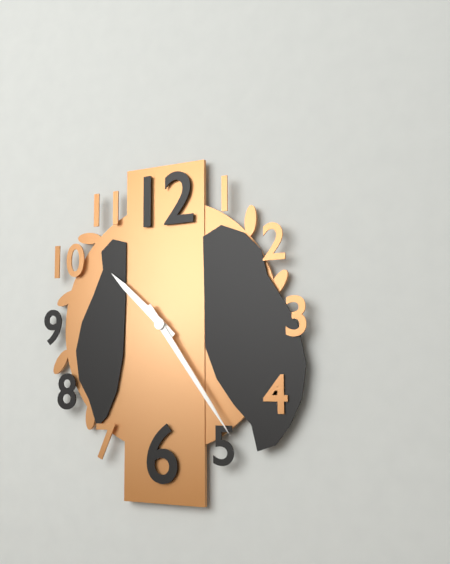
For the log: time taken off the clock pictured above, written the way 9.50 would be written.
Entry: 10.24
